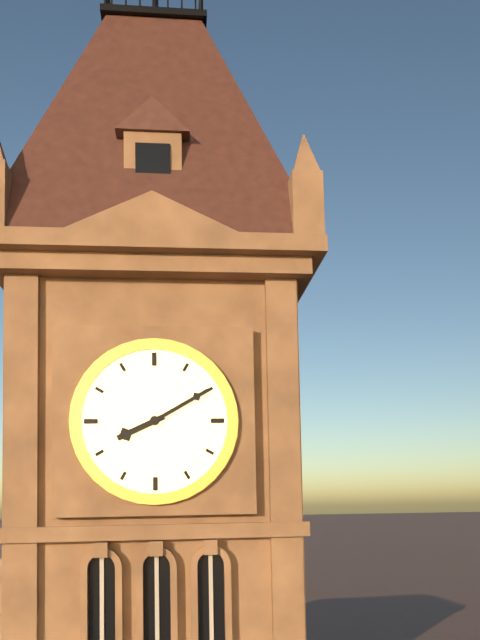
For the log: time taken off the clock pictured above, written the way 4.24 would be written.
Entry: 8.10
